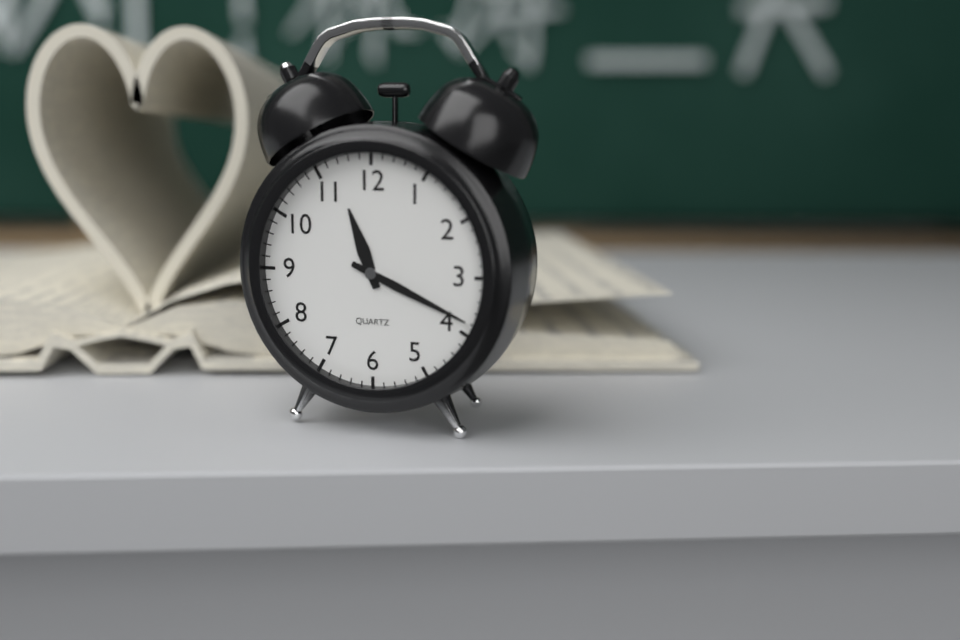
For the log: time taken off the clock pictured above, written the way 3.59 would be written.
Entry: 11.19
